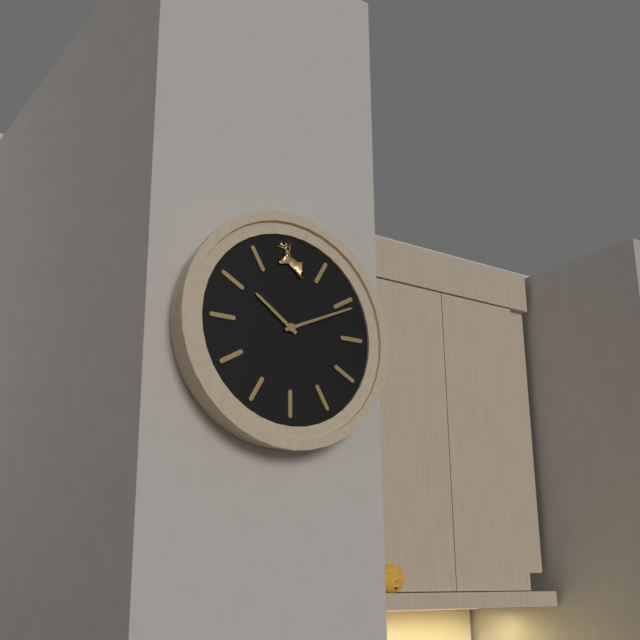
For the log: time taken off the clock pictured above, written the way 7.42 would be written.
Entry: 10.11
